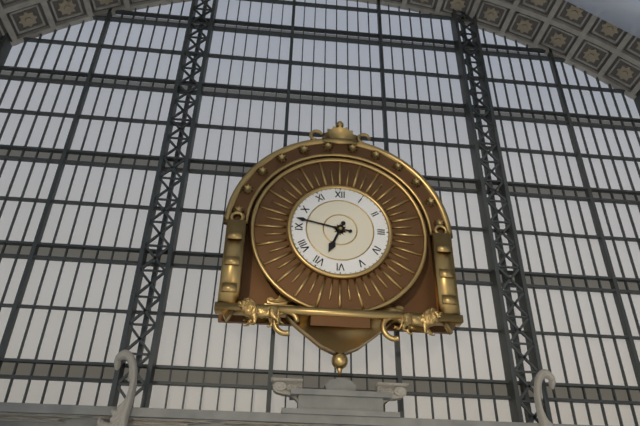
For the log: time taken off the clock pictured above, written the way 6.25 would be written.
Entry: 6.47
